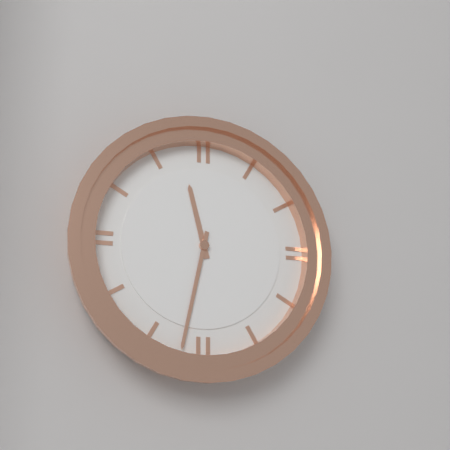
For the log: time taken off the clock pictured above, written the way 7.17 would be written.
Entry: 11.32
